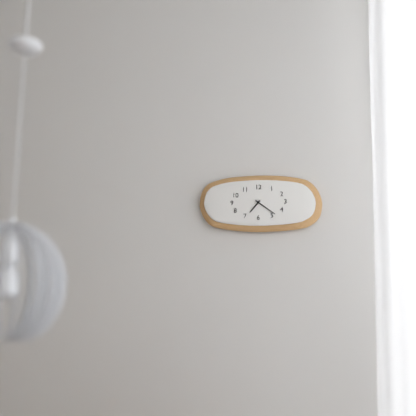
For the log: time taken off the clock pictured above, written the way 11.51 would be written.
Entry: 7.21
